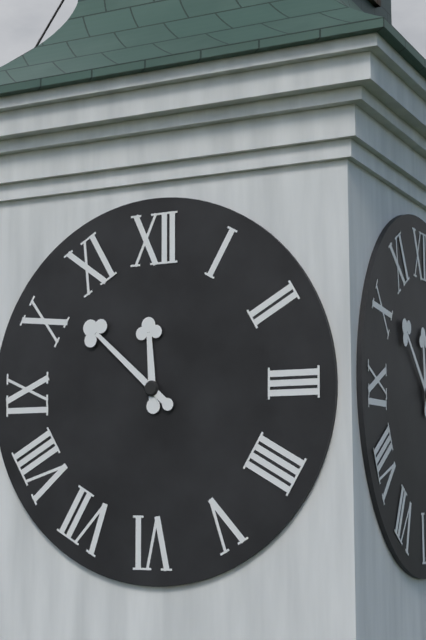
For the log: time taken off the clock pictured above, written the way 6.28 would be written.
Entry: 11.52
